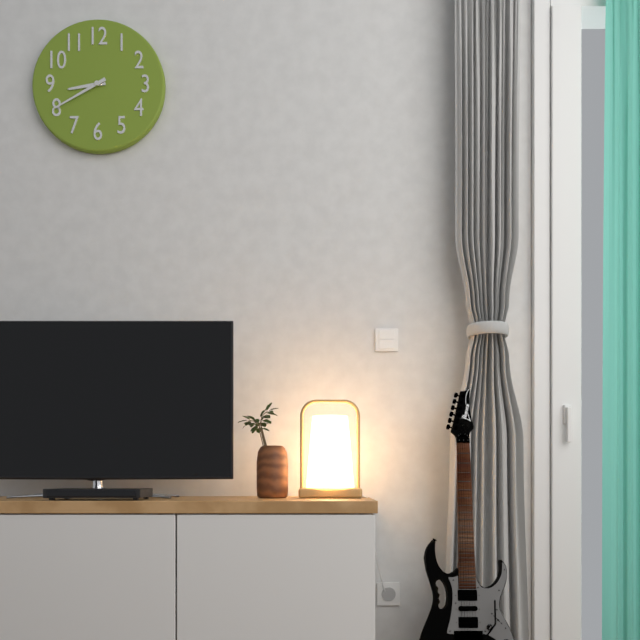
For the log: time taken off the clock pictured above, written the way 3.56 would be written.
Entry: 8.40
